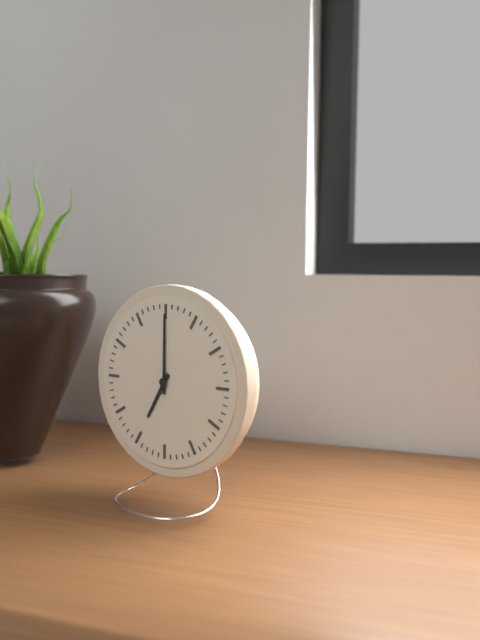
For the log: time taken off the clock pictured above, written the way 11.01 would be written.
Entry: 7.00
